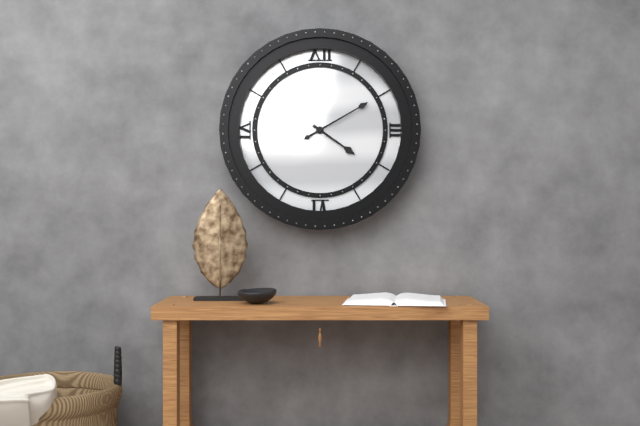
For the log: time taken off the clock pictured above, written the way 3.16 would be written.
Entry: 4.10
